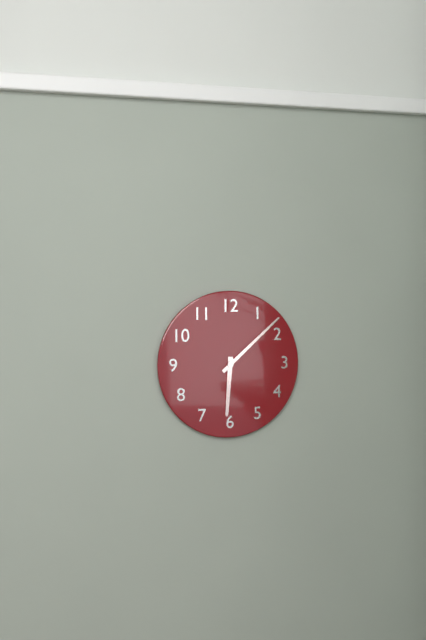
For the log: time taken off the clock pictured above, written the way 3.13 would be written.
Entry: 6.08
